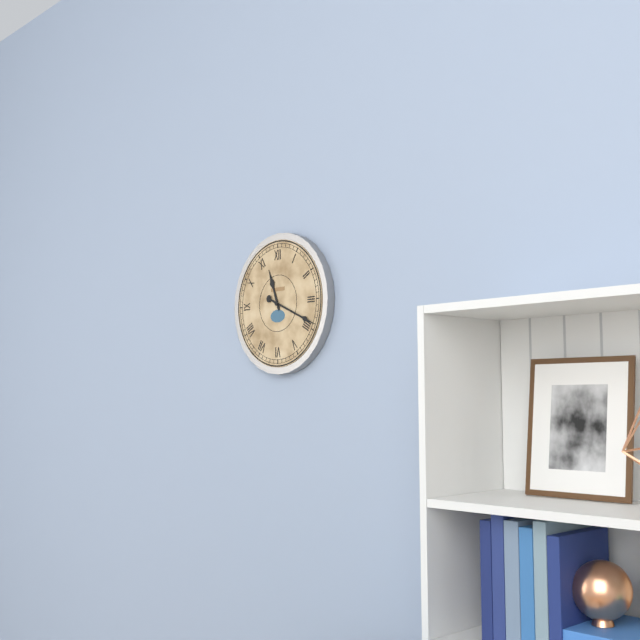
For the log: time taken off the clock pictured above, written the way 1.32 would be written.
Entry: 11.19
